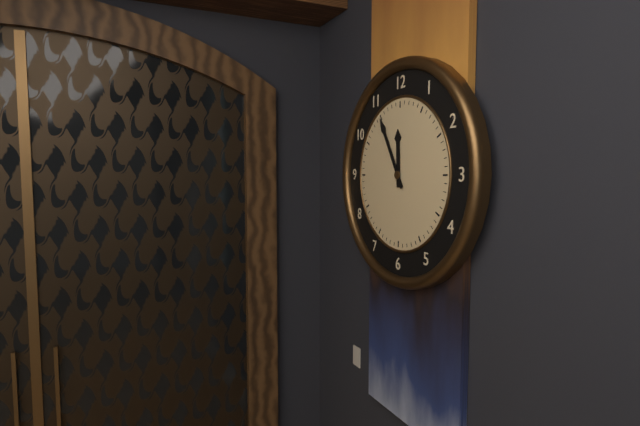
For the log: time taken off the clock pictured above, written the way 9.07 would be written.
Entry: 11.55
